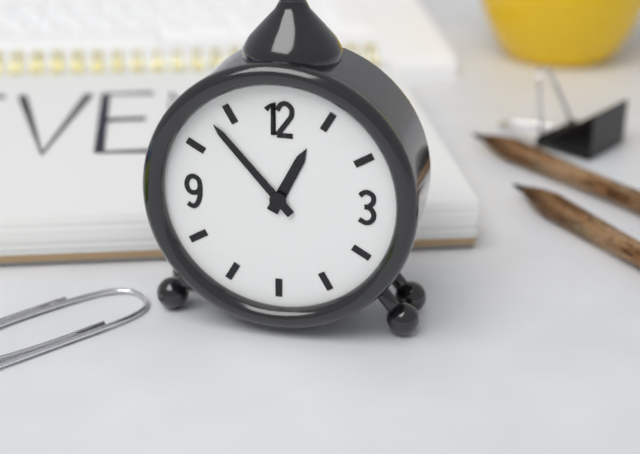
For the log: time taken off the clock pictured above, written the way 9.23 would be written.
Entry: 12.53
